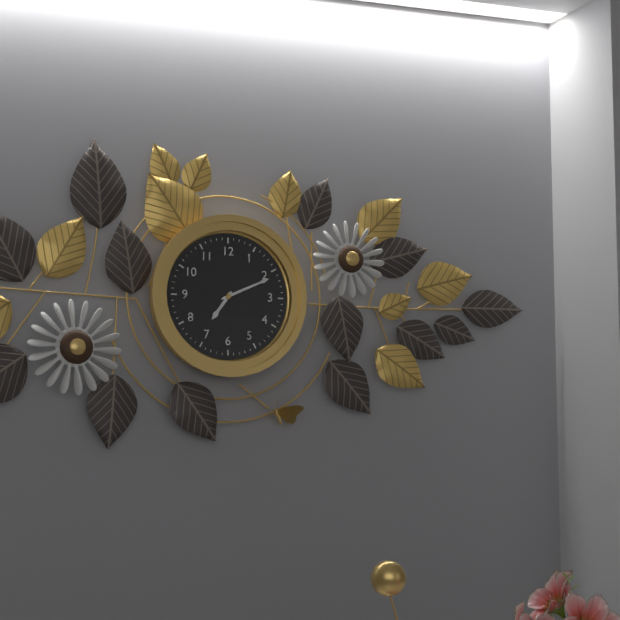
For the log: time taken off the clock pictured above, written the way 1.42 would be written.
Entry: 7.11
